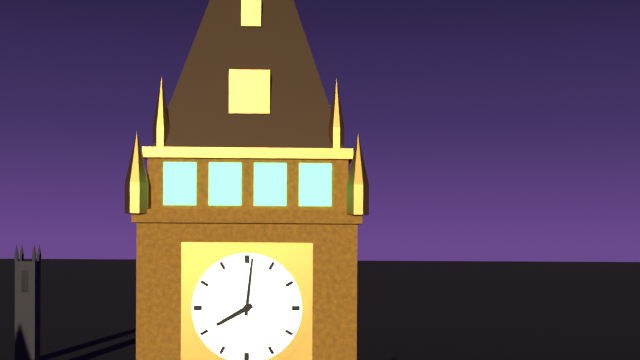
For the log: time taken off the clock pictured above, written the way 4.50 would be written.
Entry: 8.01
